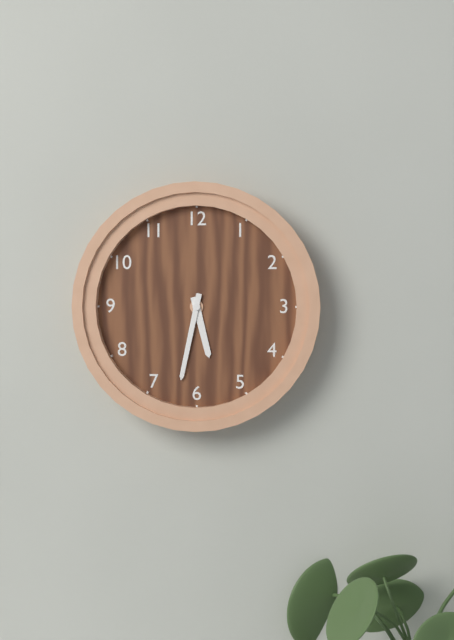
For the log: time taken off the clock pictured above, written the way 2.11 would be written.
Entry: 5.32
